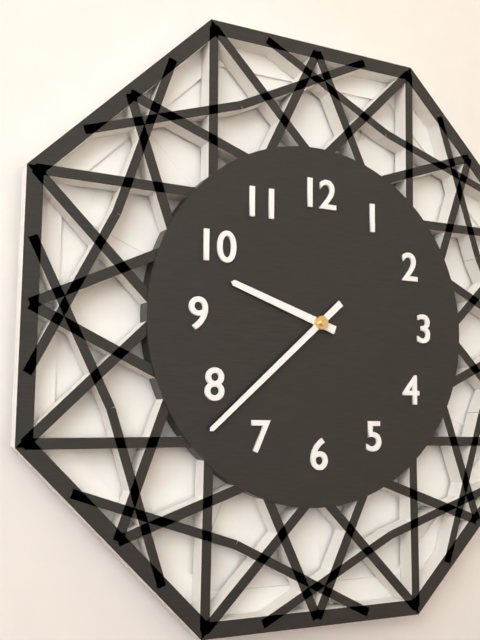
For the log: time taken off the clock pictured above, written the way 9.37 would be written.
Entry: 9.38
